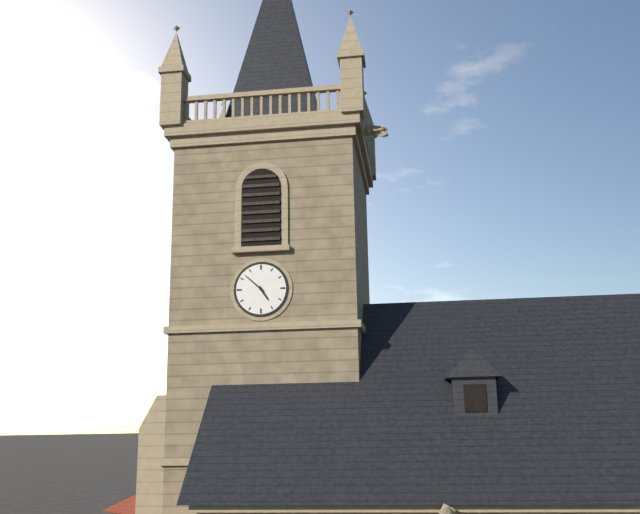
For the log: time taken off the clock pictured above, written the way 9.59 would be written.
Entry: 4.52
